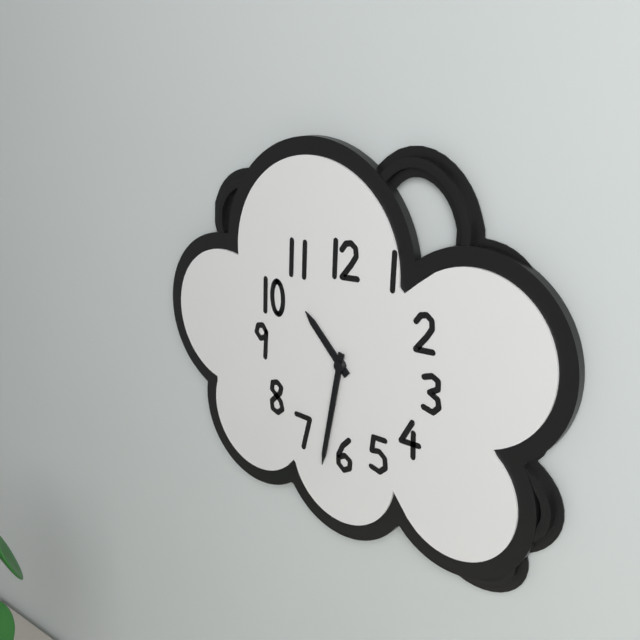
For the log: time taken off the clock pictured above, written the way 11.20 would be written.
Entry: 10.32
